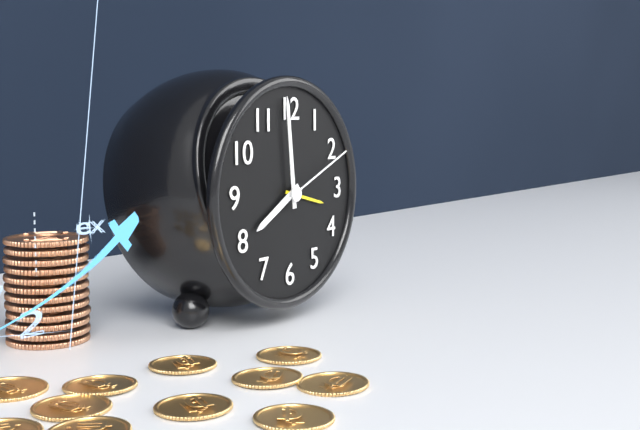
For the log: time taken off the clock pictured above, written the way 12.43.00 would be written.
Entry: 7.59.11
